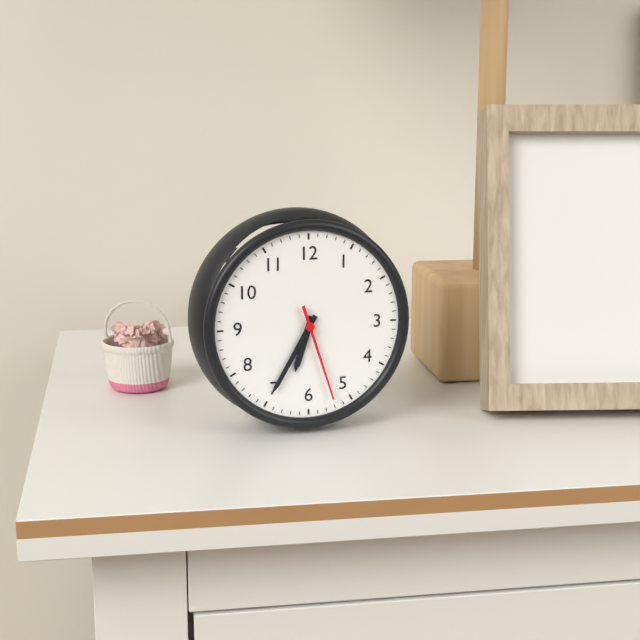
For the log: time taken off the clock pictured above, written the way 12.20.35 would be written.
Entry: 6.35.27
